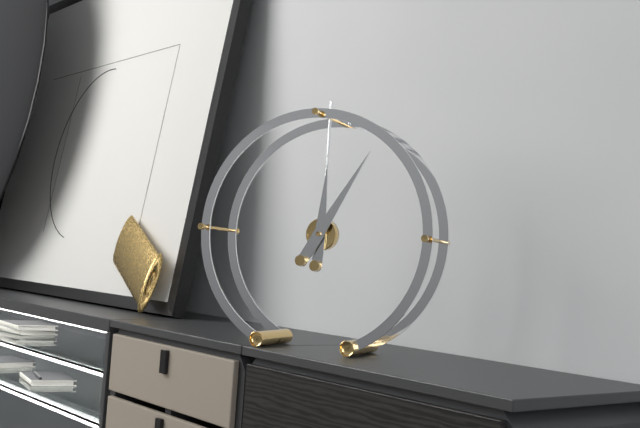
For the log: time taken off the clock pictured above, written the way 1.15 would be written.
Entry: 12.05
